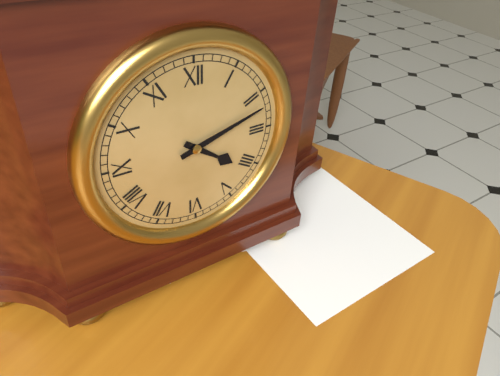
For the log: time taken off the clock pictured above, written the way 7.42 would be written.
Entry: 4.12
